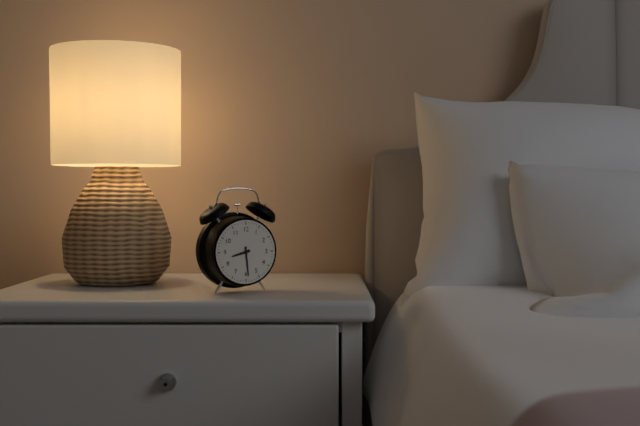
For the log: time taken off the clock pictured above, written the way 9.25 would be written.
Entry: 8.29
